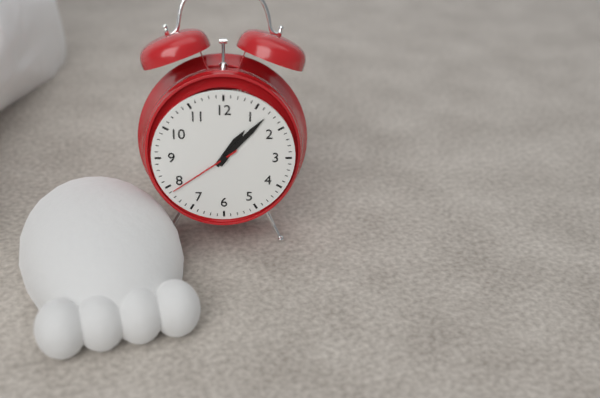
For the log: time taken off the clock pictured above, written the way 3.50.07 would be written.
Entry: 1.07.39
